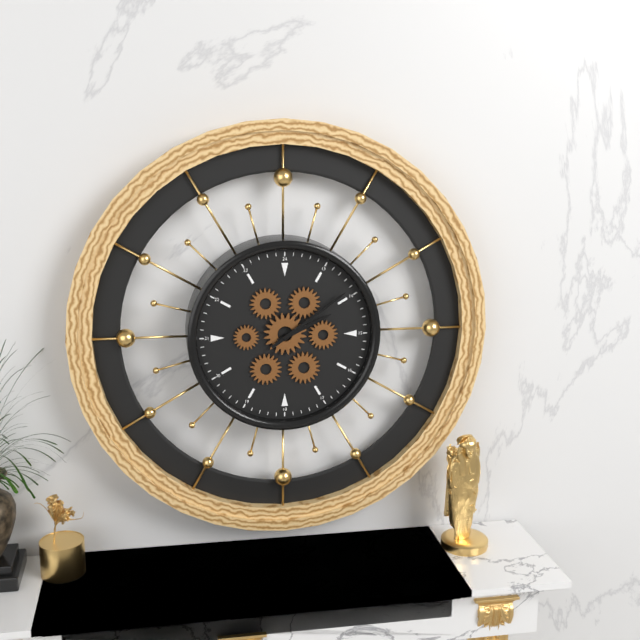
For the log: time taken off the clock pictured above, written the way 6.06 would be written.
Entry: 2.09
